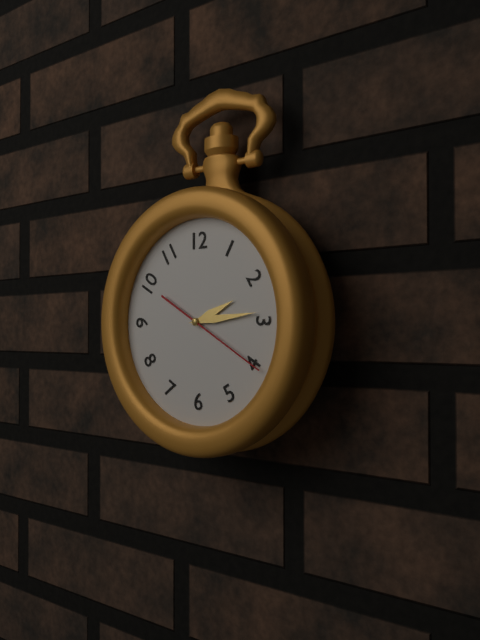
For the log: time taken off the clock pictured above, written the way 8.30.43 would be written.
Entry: 2.14.20
